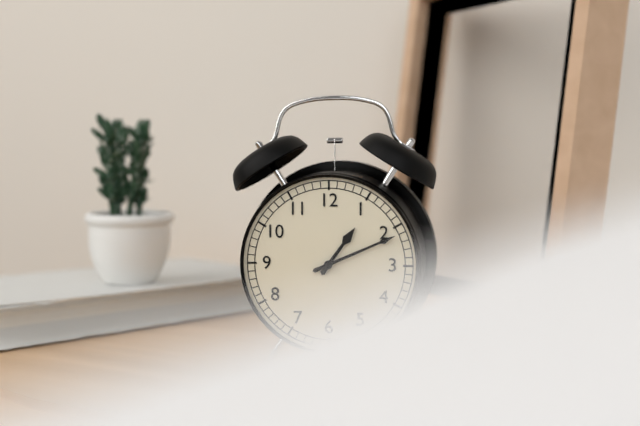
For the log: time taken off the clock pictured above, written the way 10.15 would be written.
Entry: 1.11
